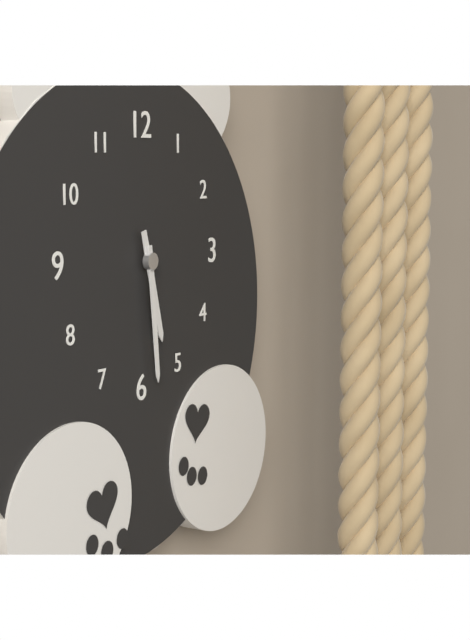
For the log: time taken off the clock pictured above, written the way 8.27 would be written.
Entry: 5.29
